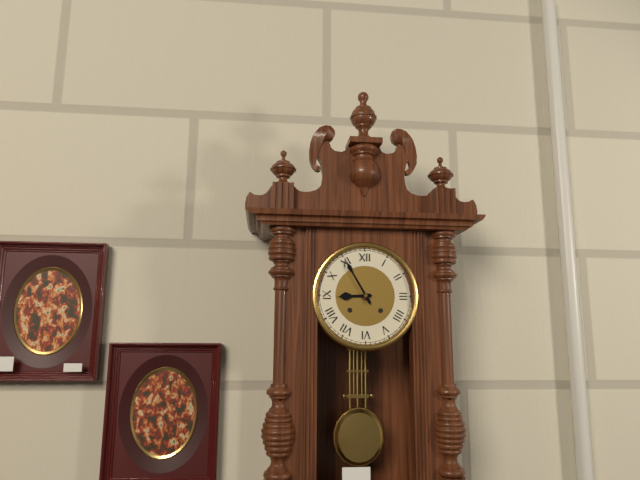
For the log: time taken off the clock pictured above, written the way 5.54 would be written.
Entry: 8.55
